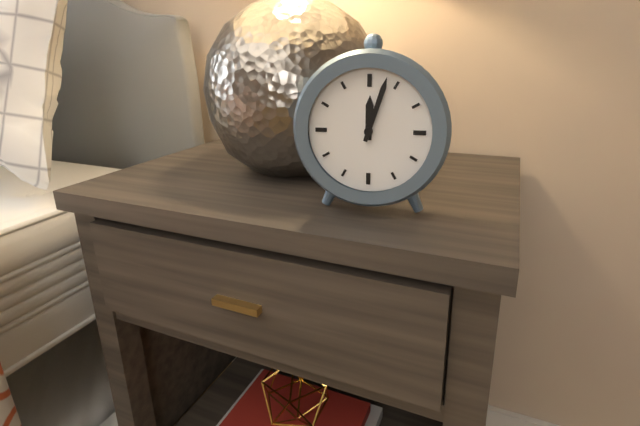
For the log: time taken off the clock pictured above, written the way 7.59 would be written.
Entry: 12.03
